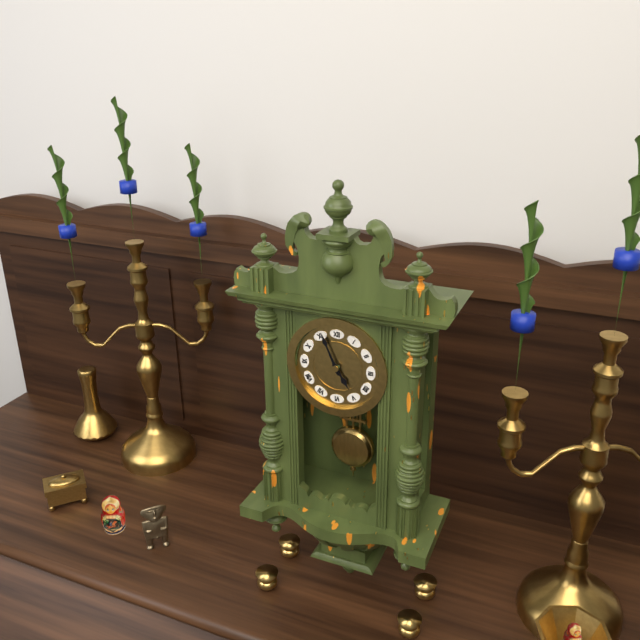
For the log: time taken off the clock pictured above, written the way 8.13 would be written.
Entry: 4.56
